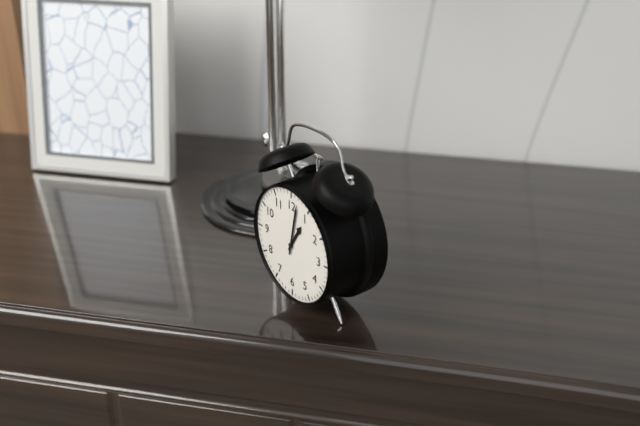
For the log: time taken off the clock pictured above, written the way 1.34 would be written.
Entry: 1.02
